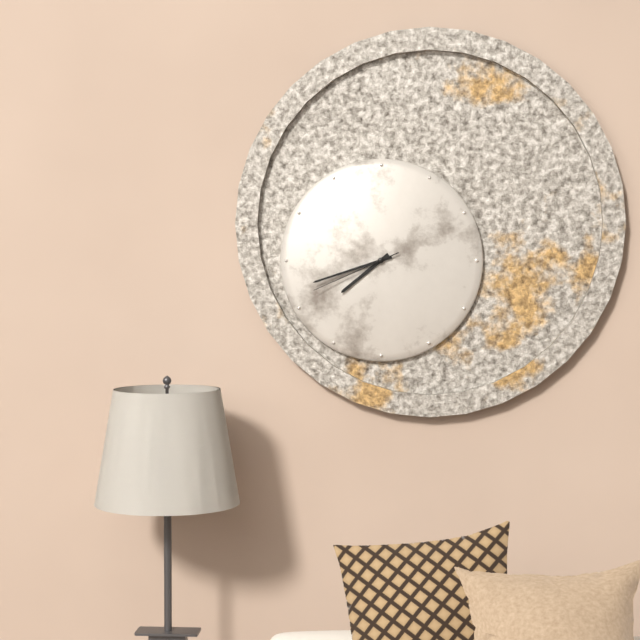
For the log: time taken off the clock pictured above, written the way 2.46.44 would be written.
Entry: 7.42.41
